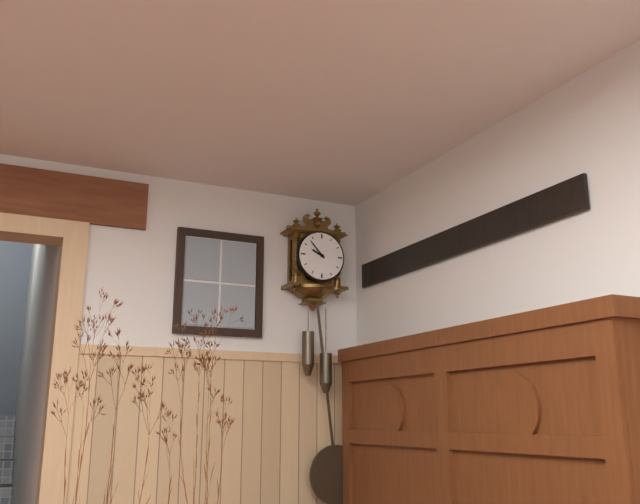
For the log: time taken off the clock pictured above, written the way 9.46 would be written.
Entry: 9.53
